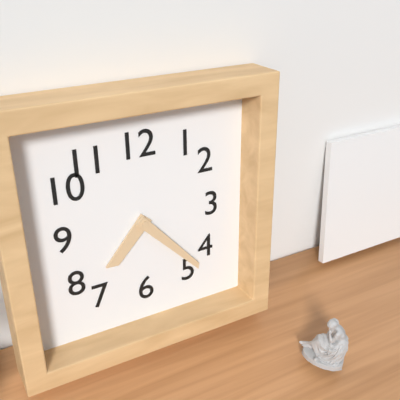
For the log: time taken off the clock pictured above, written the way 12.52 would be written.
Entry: 7.23
